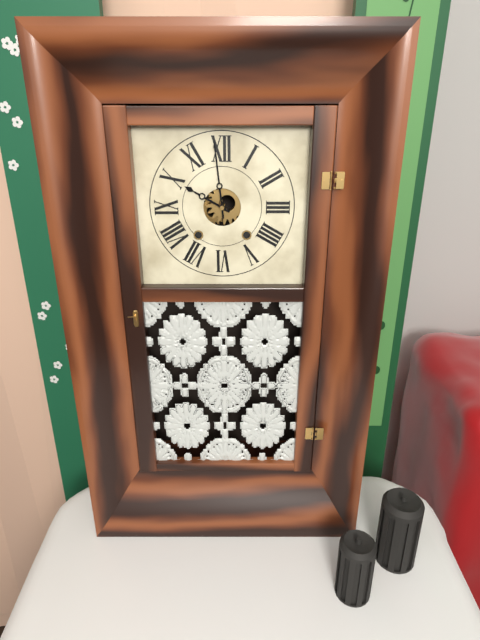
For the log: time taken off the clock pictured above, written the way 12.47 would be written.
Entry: 9.59
